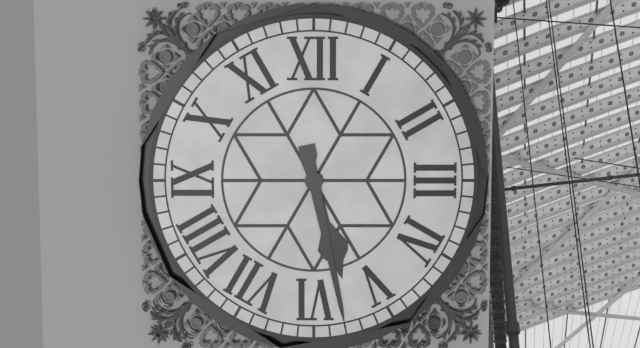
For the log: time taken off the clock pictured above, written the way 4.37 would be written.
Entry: 5.28
